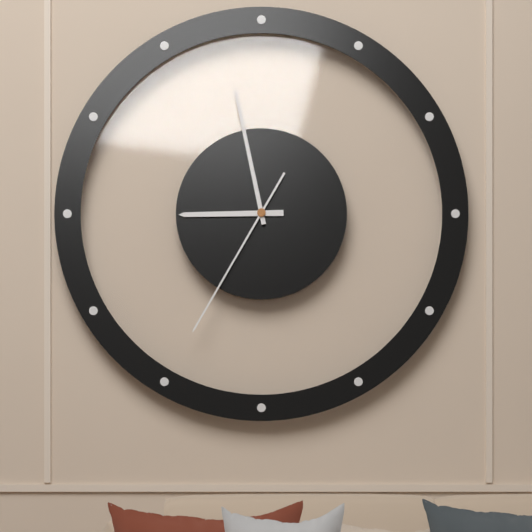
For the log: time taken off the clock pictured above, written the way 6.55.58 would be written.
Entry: 8.58.35
